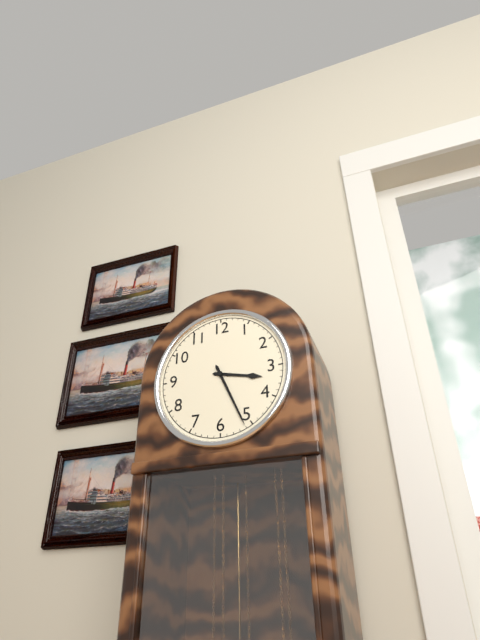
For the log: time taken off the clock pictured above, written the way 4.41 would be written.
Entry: 3.26
